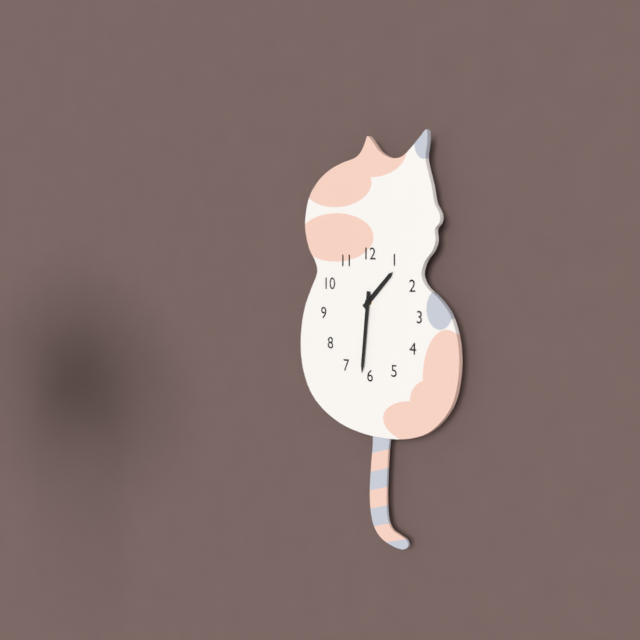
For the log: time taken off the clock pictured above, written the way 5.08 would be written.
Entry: 1.31
